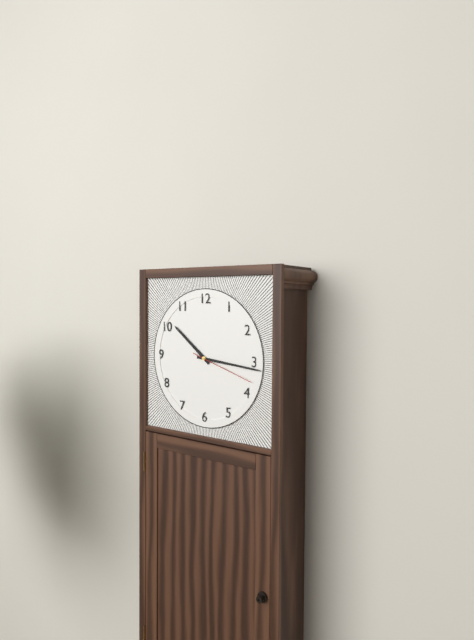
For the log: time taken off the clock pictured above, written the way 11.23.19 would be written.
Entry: 10.16.18
